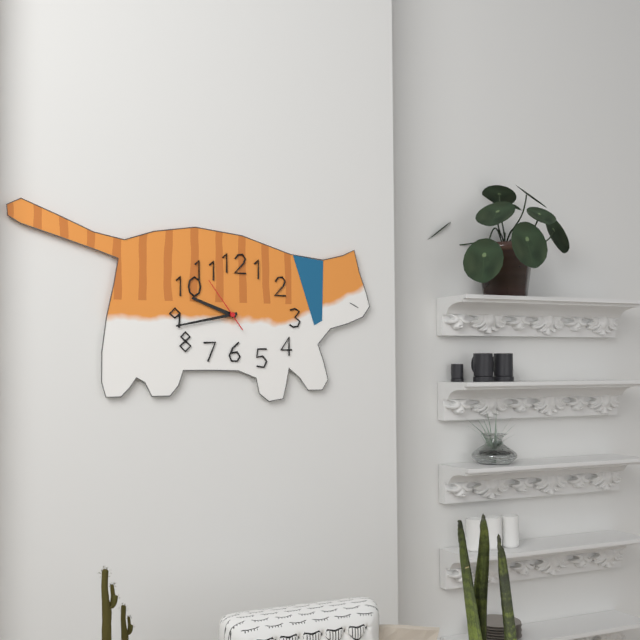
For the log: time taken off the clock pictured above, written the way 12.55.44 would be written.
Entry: 9.43.54
